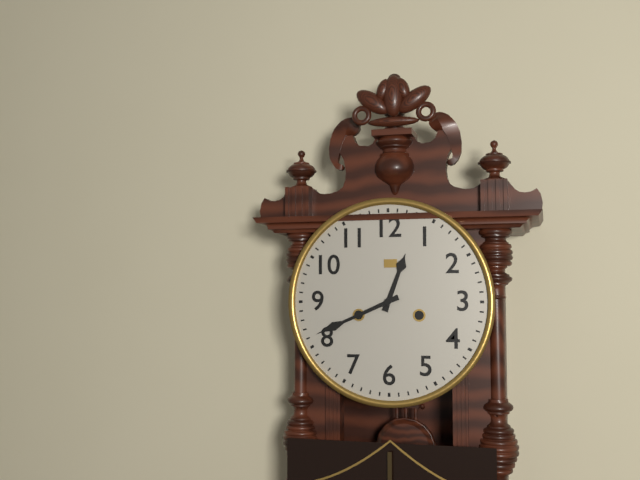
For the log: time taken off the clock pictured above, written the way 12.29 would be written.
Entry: 12.41
